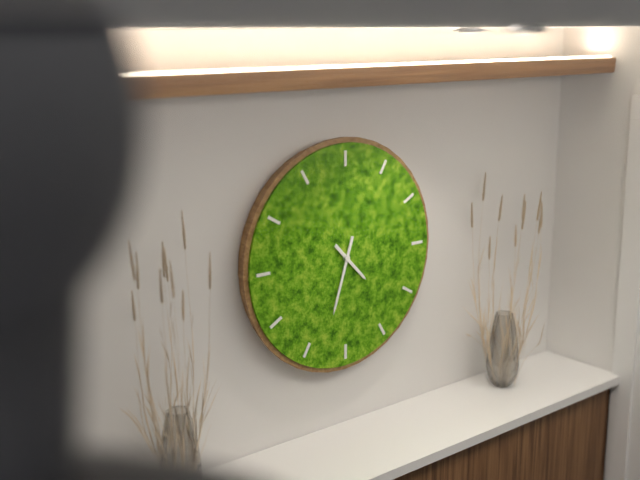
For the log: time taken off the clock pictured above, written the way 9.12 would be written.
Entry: 4.33
